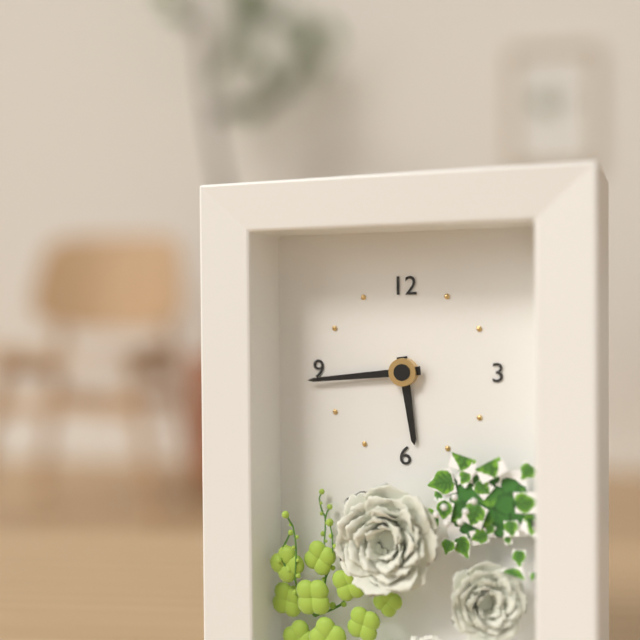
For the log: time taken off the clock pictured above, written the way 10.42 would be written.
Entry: 5.44
